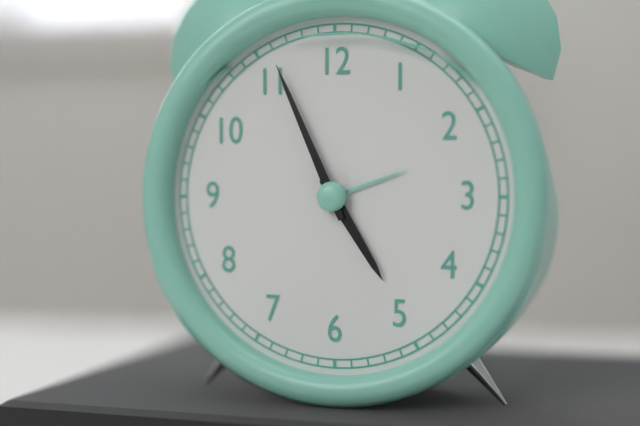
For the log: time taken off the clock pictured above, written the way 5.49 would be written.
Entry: 4.56
